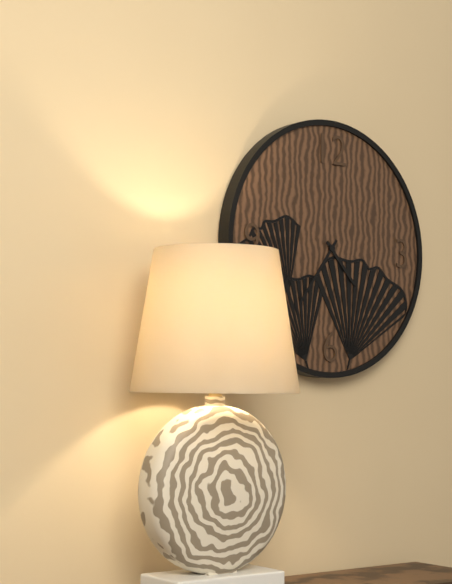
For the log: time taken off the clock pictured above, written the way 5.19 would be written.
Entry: 4.36
